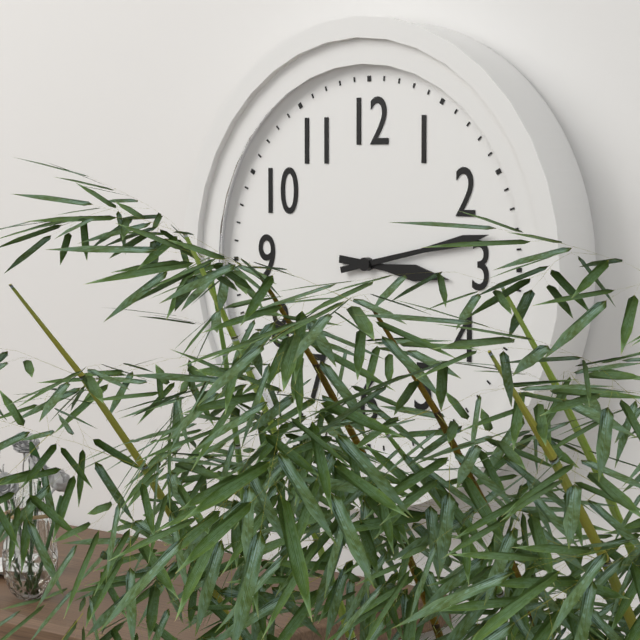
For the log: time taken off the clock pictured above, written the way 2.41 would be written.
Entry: 3.13
